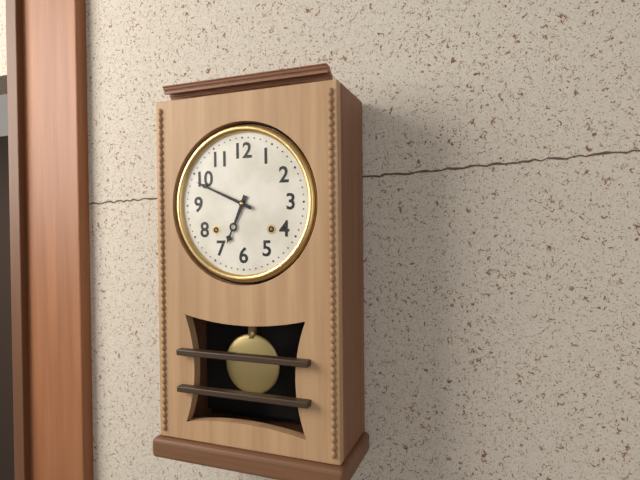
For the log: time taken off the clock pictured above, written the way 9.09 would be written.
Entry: 6.49
